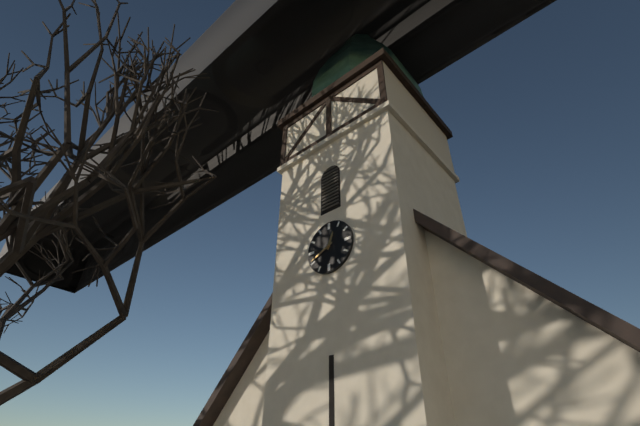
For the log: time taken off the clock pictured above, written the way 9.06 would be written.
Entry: 12.41
